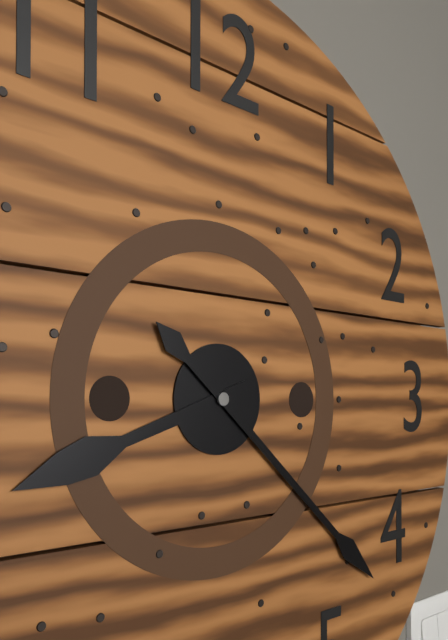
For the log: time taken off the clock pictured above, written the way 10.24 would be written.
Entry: 8.22
